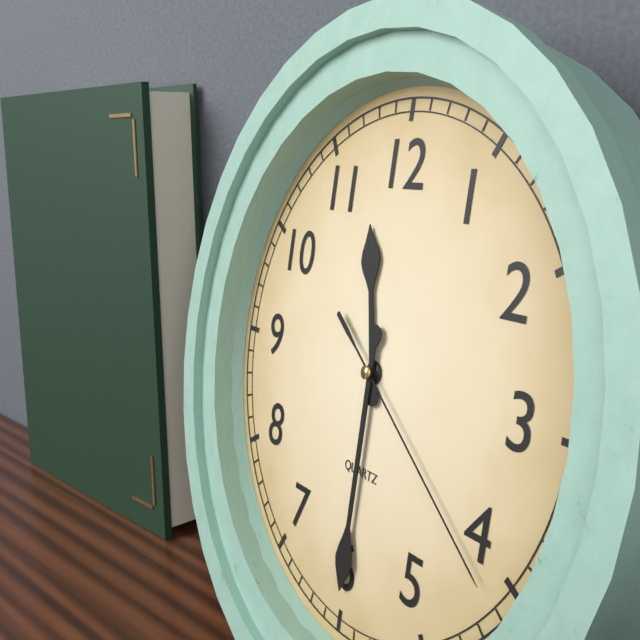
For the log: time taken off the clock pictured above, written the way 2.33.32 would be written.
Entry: 11.30.21
